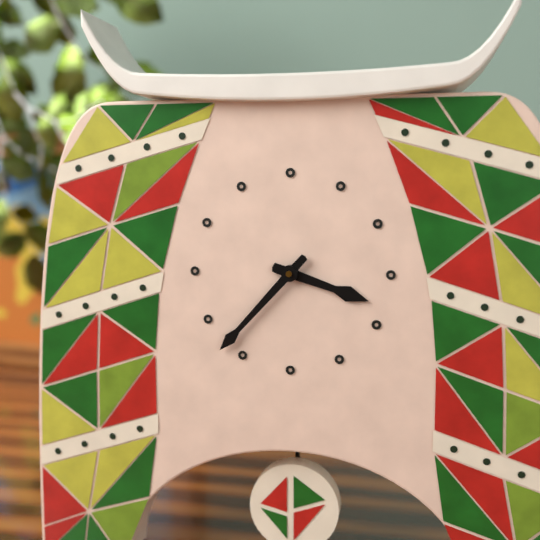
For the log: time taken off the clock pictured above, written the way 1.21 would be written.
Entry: 3.37
